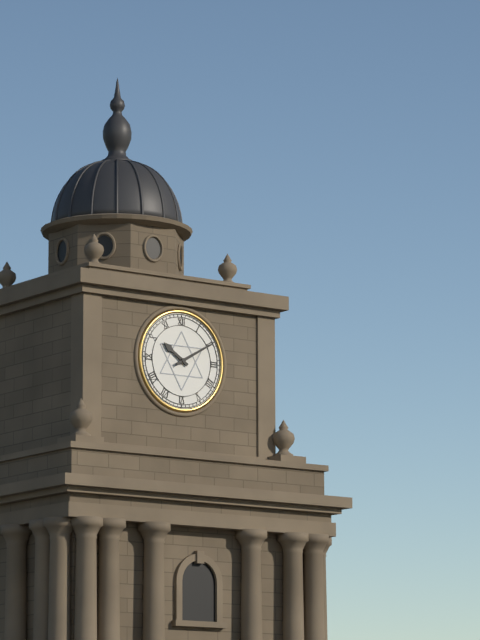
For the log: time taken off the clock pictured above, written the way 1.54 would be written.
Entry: 10.10
